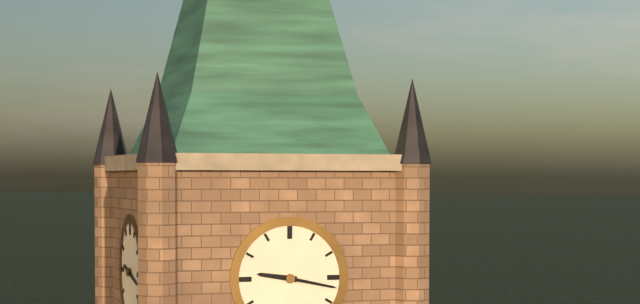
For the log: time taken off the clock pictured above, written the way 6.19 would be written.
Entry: 9.17
